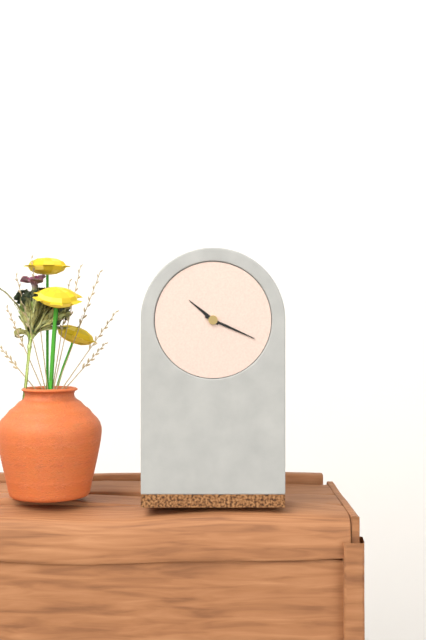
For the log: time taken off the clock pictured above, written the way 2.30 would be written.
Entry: 10.19
